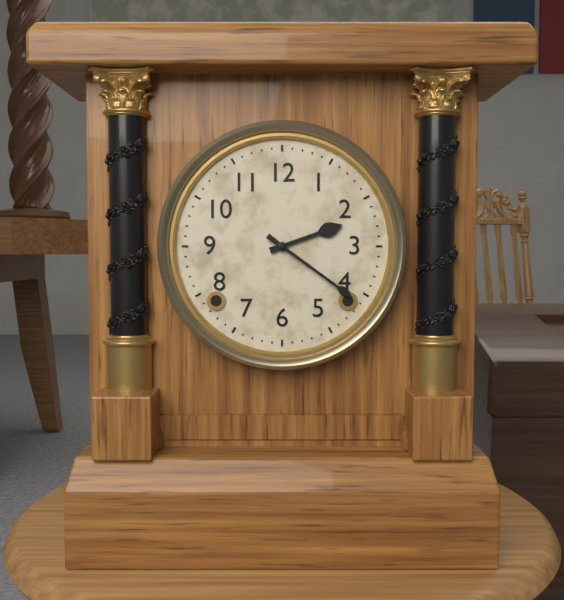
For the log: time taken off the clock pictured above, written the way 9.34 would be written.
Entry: 2.21
